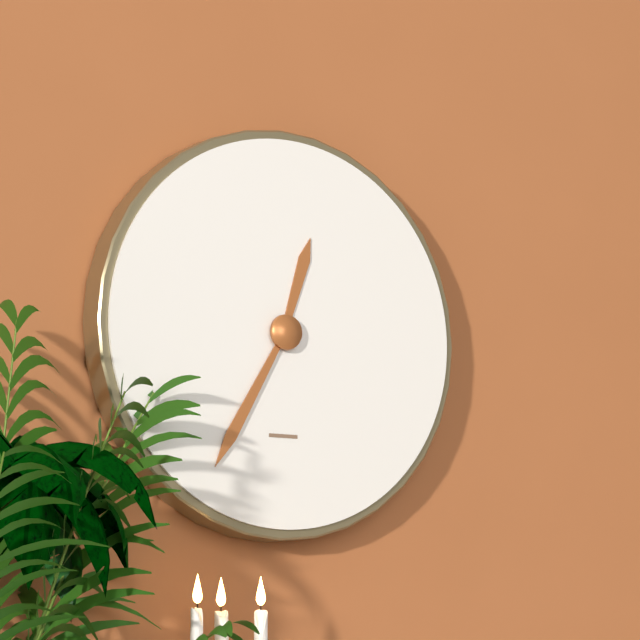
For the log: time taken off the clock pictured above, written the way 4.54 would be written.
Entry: 12.35
